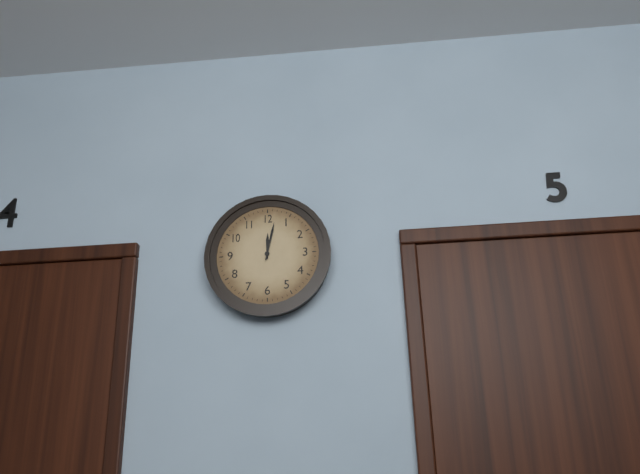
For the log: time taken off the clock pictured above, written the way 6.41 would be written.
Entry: 12.02
